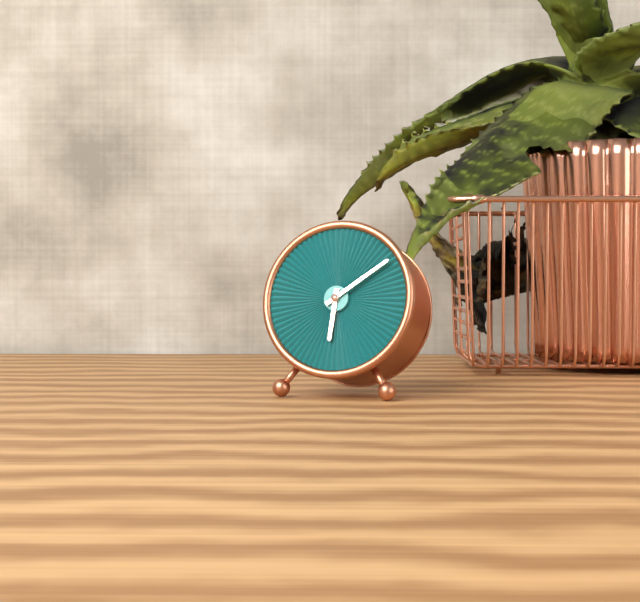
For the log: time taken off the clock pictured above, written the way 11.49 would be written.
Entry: 6.09
